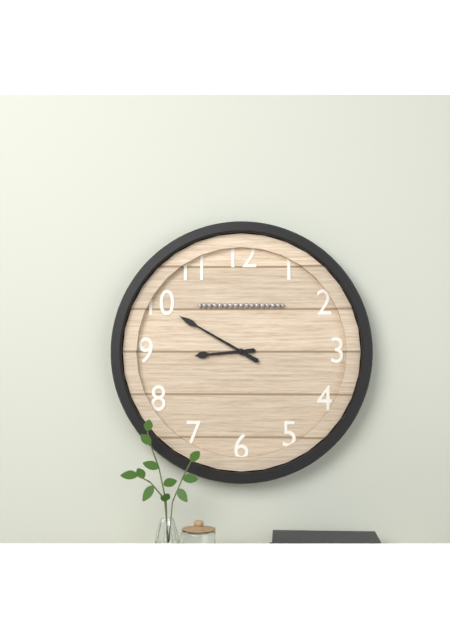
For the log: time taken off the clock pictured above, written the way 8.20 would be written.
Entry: 8.50
